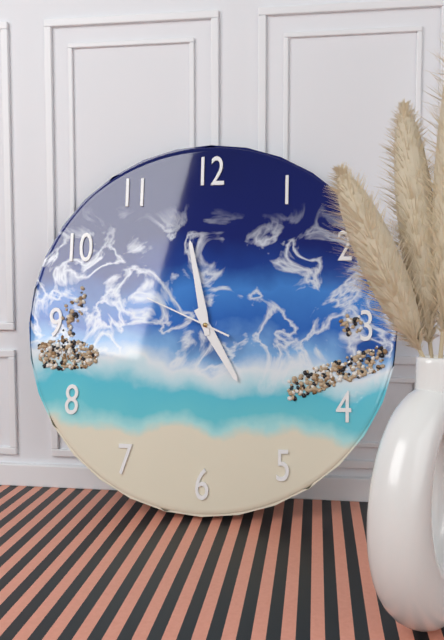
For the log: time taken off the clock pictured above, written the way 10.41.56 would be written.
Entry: 4.58.49
